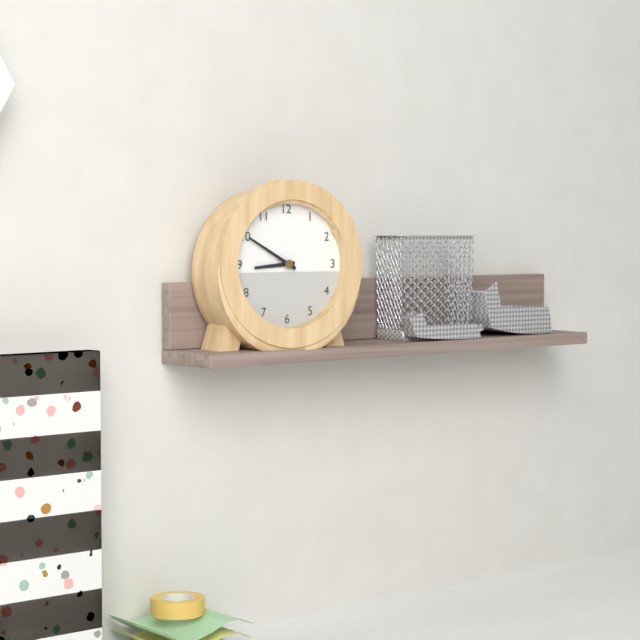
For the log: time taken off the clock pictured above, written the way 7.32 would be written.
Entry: 8.50
